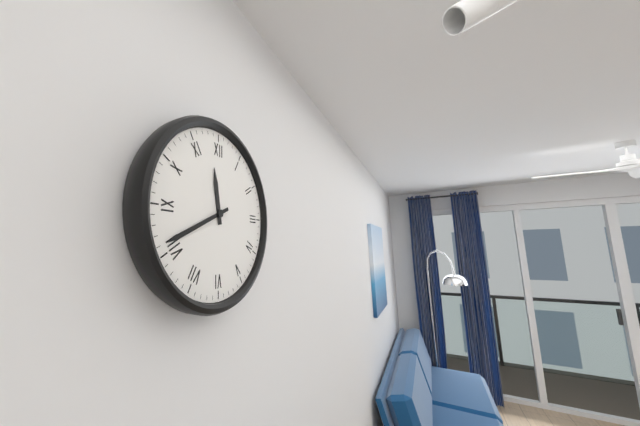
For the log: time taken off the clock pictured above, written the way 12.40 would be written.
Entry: 11.41
